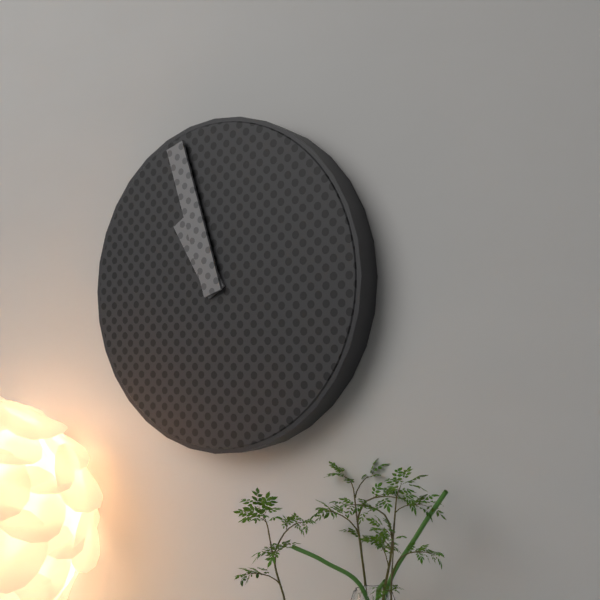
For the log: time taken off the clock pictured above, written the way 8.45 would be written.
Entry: 10.57
